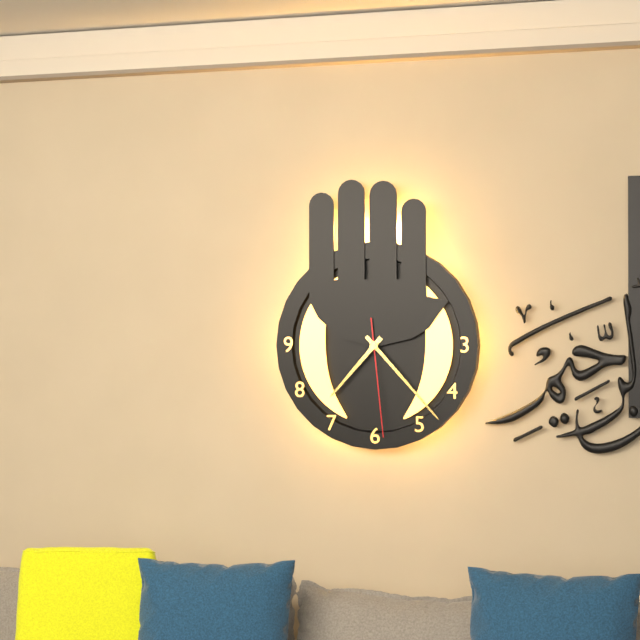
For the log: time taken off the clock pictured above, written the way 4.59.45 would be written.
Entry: 7.23.29
